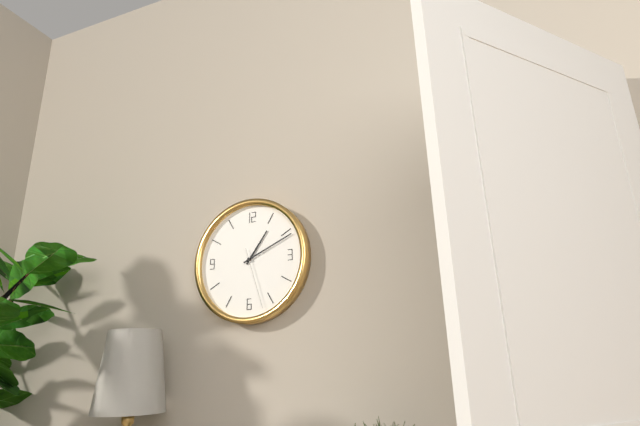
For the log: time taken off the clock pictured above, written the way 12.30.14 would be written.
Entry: 1.11.27
